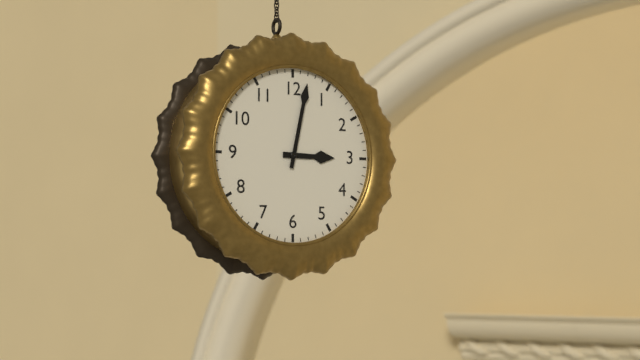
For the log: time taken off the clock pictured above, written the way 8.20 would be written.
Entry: 3.02
